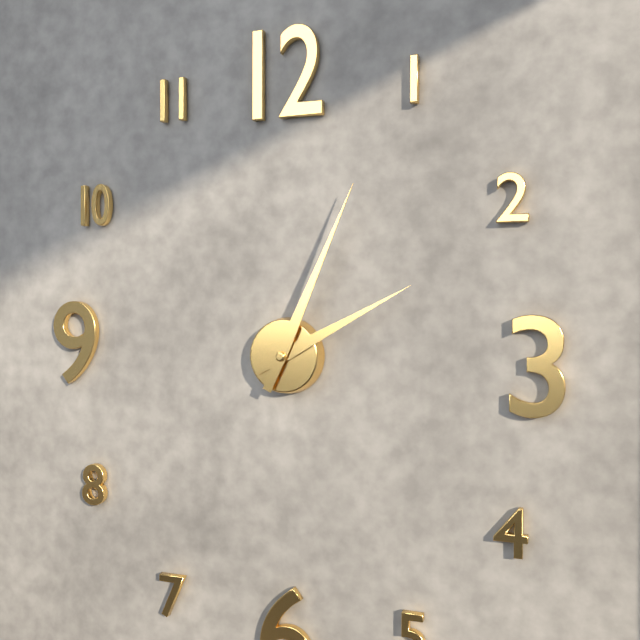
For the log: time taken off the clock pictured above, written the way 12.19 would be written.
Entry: 2.04
